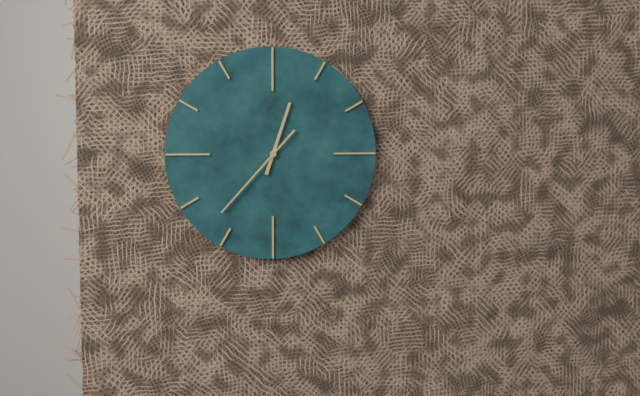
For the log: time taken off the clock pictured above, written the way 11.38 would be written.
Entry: 12.37
